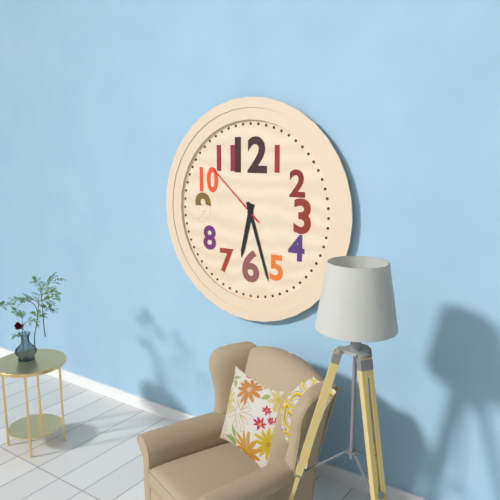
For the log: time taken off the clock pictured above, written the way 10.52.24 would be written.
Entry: 6.27.52
